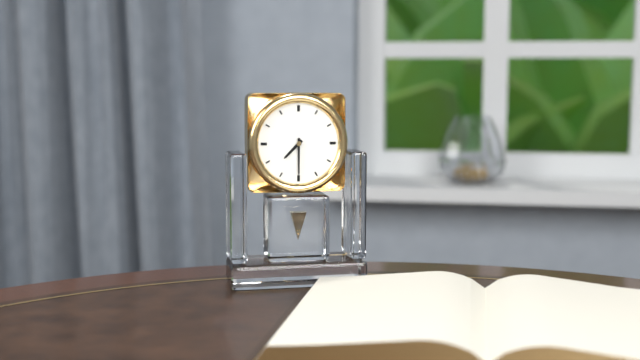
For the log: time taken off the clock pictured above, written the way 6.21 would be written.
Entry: 7.30
